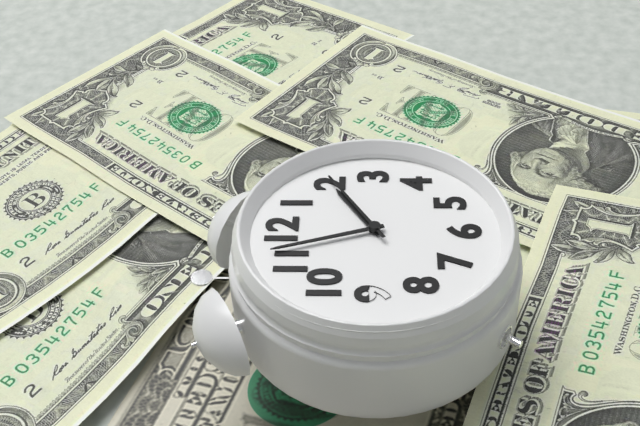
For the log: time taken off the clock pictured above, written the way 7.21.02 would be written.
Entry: 1.57.10
